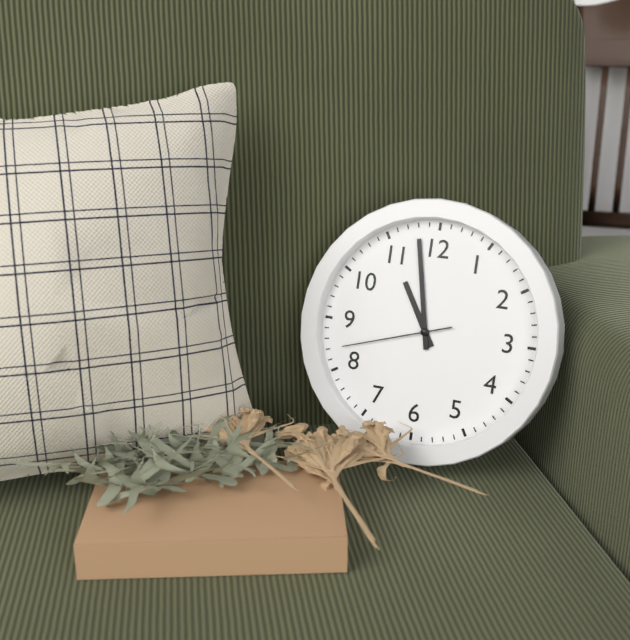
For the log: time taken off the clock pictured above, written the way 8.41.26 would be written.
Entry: 10.58.42
